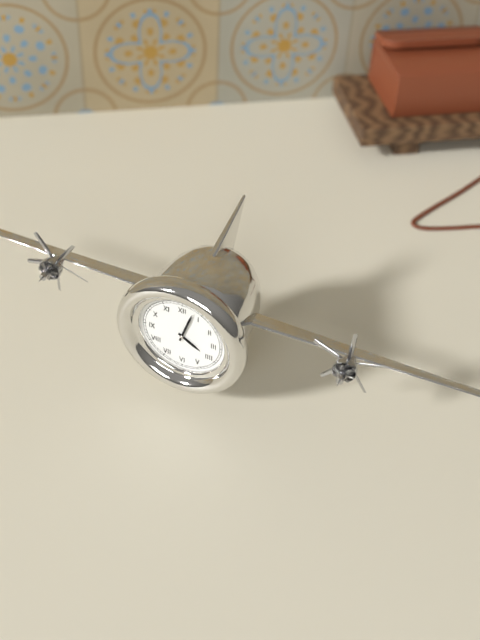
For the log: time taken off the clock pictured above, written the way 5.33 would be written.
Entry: 4.03
